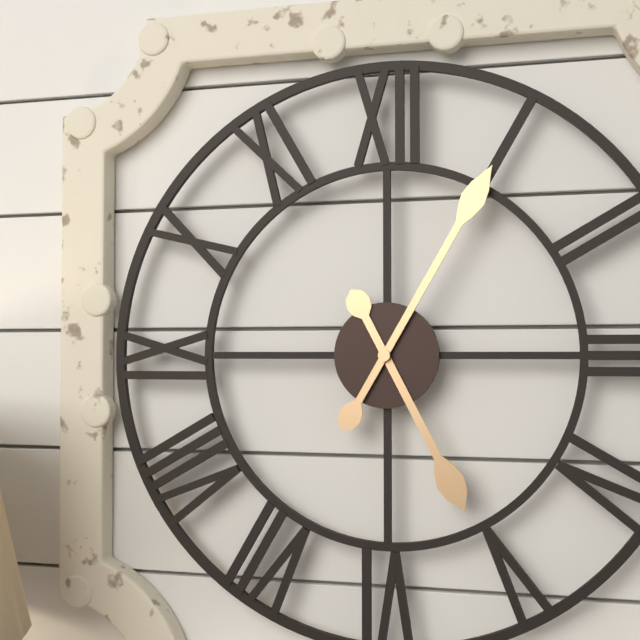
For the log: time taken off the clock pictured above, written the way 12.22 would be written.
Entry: 5.05
